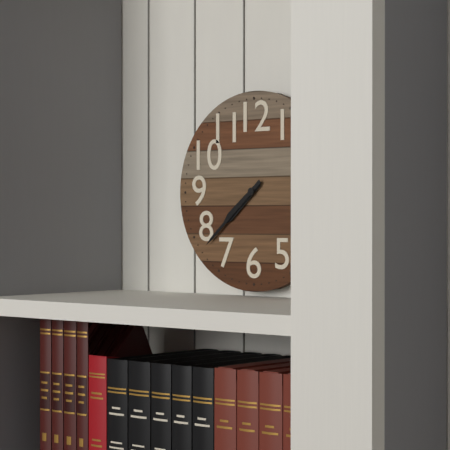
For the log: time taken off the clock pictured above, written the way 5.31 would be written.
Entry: 7.38
